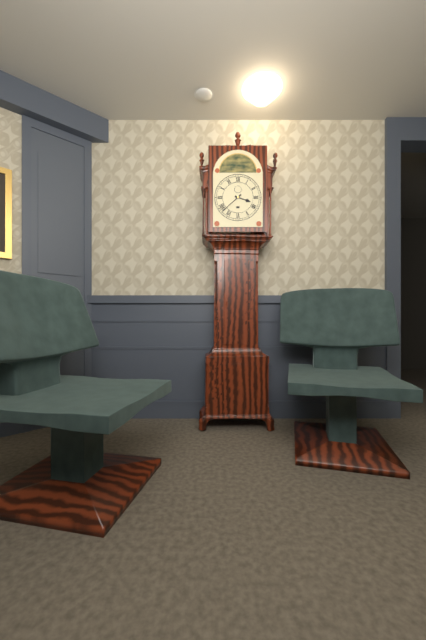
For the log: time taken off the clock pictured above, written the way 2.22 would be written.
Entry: 3.38
